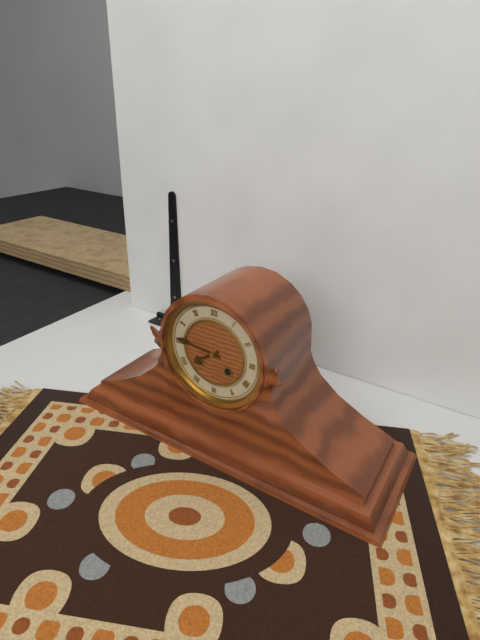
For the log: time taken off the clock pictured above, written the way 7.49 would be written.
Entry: 7.46
